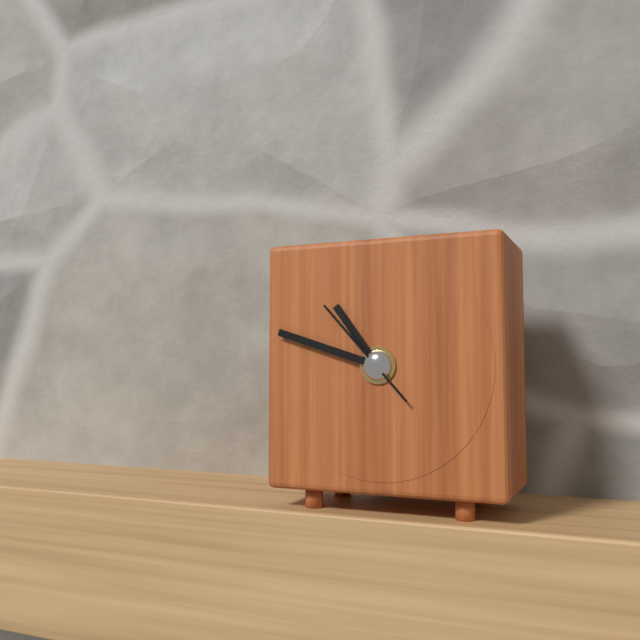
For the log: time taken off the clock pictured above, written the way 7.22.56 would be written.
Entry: 10.48.53
